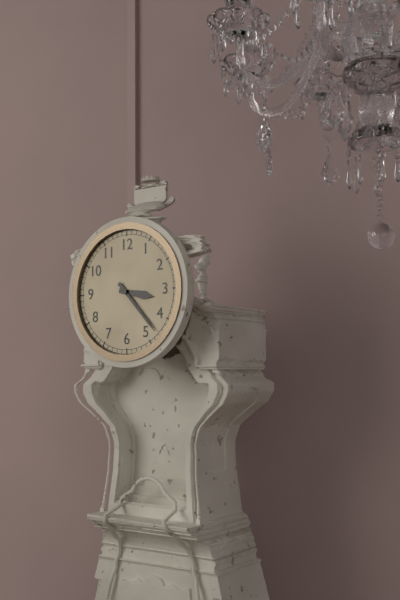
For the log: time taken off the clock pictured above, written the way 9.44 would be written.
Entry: 3.23
